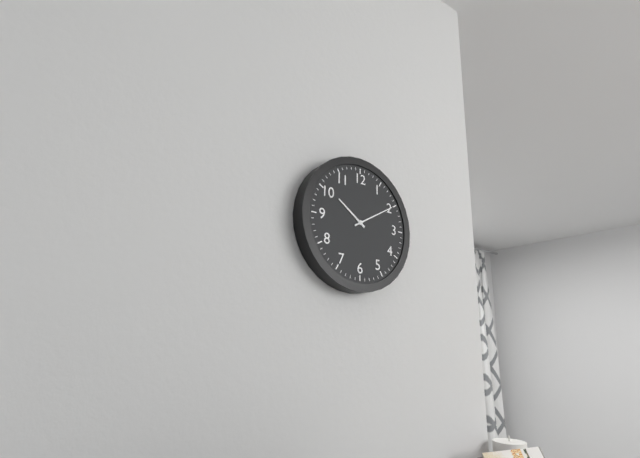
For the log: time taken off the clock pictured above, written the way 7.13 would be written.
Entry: 10.10
